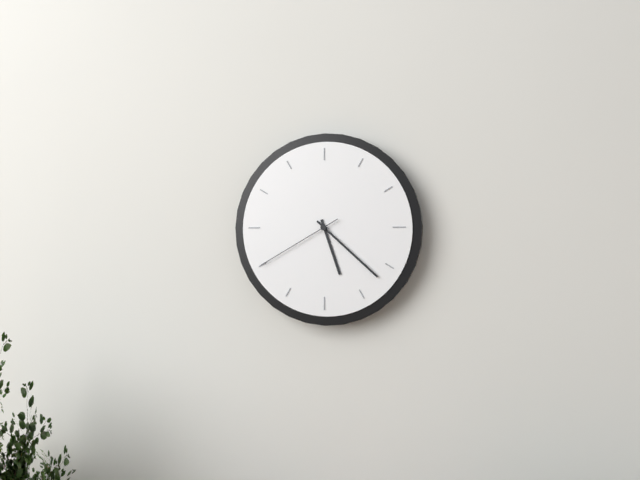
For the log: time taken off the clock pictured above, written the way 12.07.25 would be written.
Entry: 5.22.40
